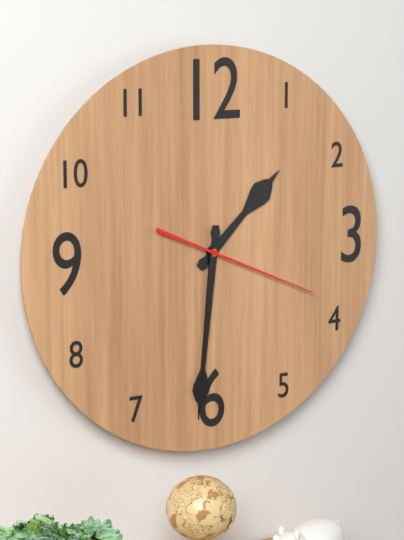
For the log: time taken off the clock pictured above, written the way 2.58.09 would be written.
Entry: 1.31.19
